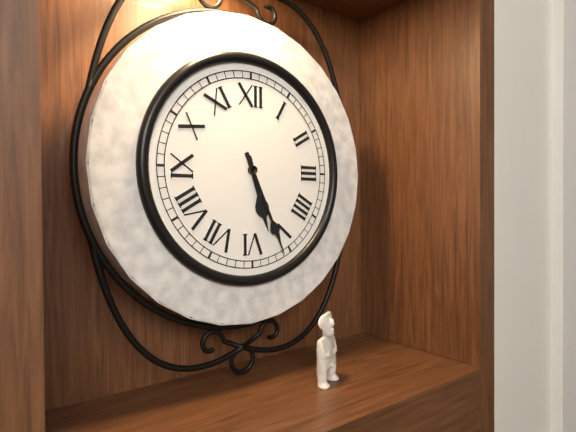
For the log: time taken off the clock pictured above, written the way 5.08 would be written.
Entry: 5.26
